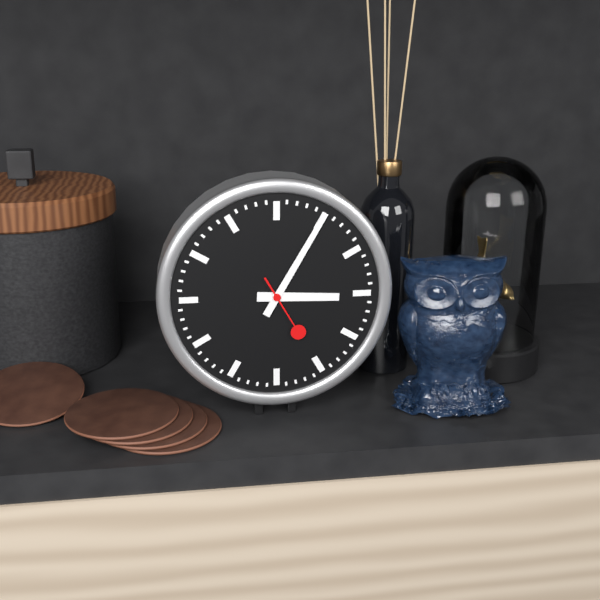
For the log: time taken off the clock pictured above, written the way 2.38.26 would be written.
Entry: 3.05.25
